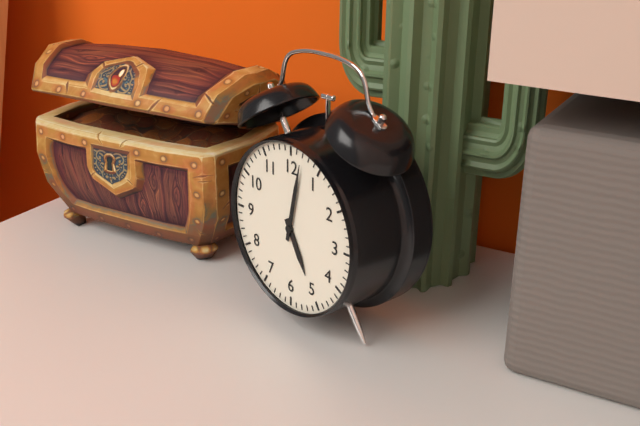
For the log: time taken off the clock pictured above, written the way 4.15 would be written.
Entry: 5.02
